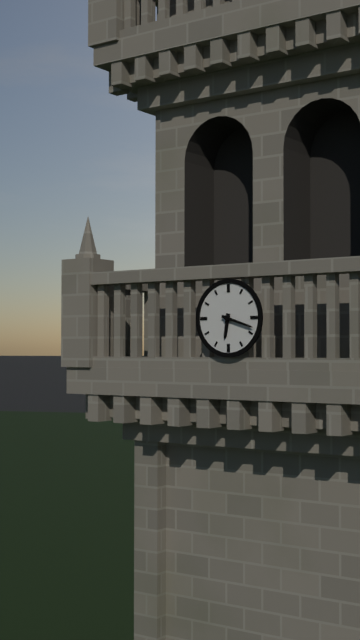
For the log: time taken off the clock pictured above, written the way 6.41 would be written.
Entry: 6.18
